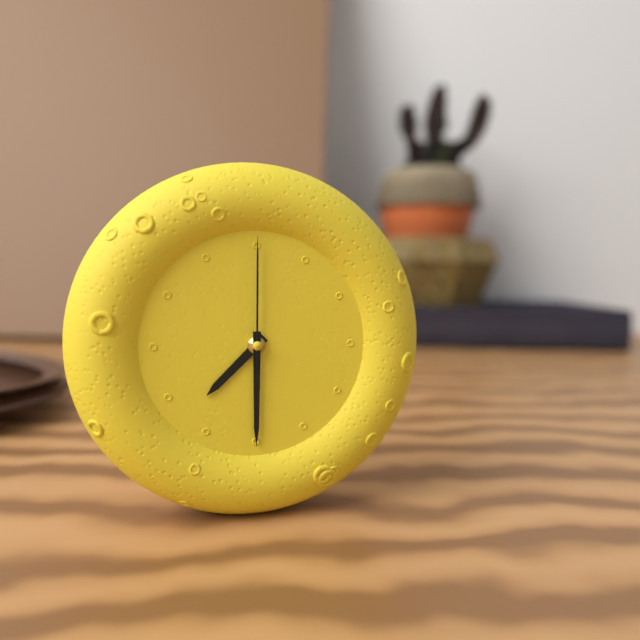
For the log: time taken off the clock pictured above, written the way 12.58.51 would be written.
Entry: 7.30.00
